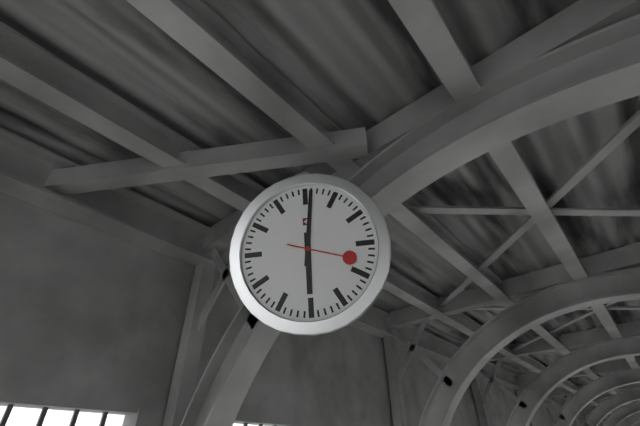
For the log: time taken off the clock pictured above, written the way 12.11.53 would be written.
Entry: 6.01.18
